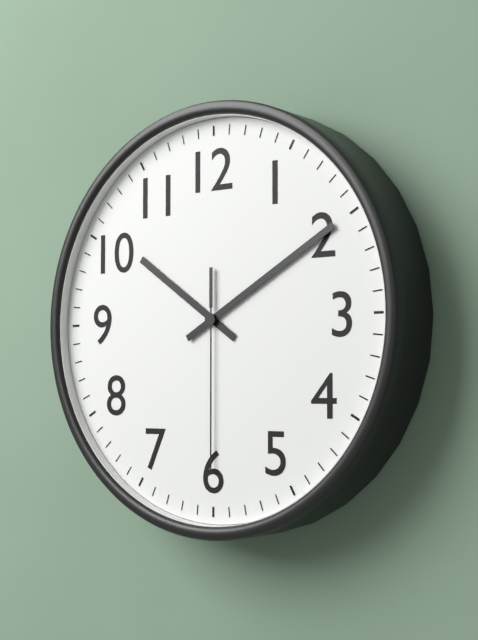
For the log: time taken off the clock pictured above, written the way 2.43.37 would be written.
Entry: 10.10.30
